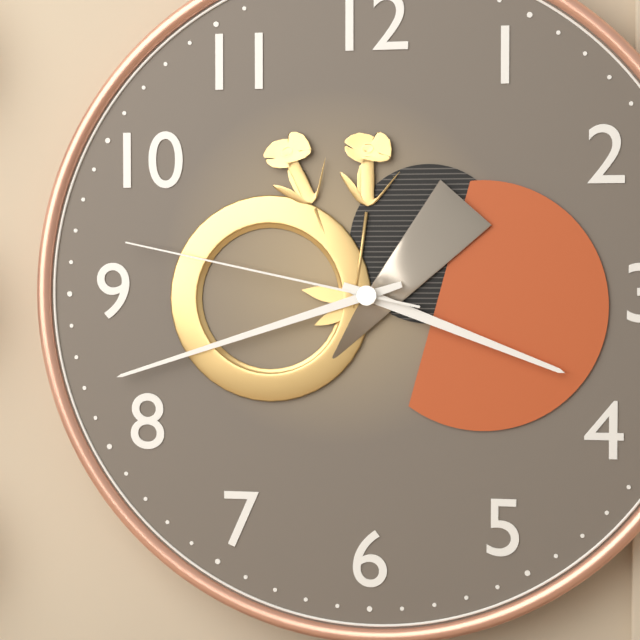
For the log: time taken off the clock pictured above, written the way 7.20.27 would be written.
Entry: 3.42.47
